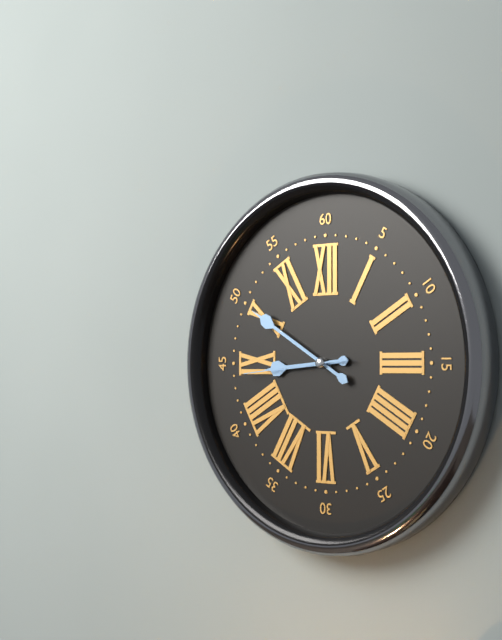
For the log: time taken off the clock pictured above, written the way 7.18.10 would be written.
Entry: 8.50.44
